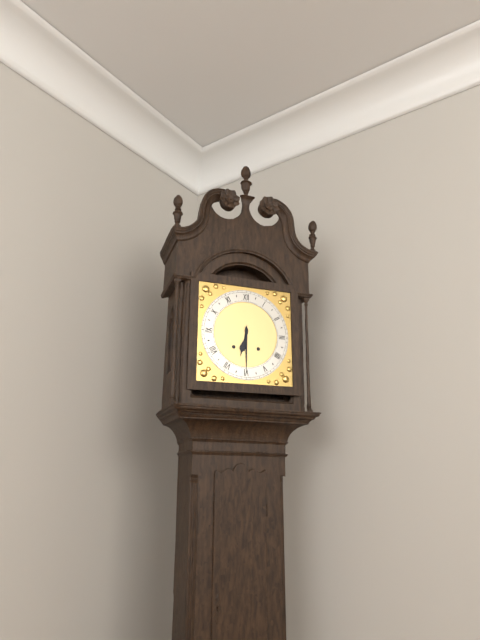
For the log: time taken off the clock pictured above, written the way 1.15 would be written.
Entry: 6.30
